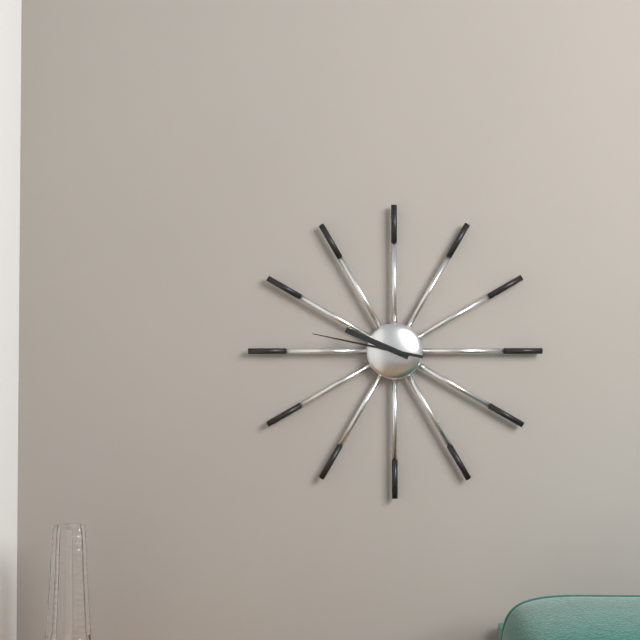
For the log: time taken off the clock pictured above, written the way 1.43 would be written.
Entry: 9.47
